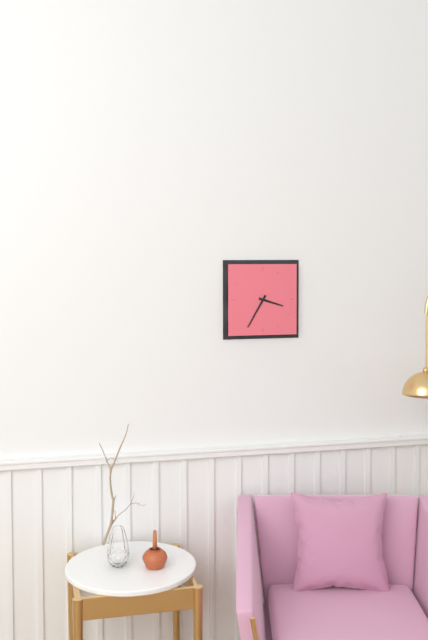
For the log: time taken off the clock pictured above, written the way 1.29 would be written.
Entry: 3.35
